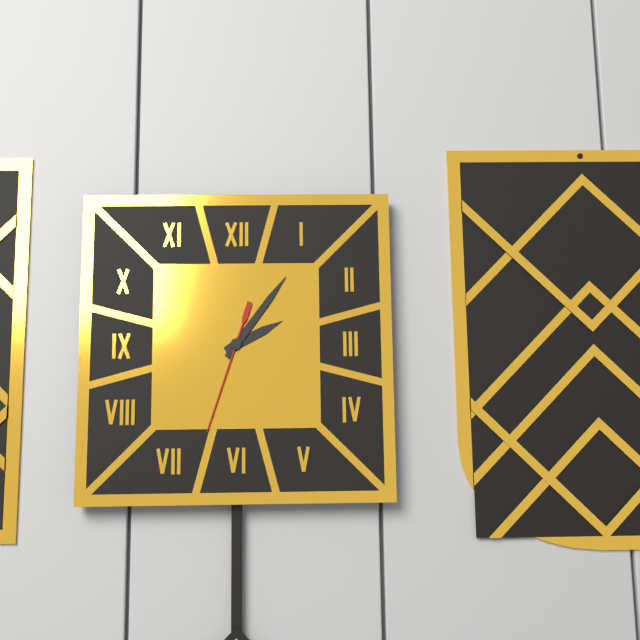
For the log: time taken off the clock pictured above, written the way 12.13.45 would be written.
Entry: 2.06.33
